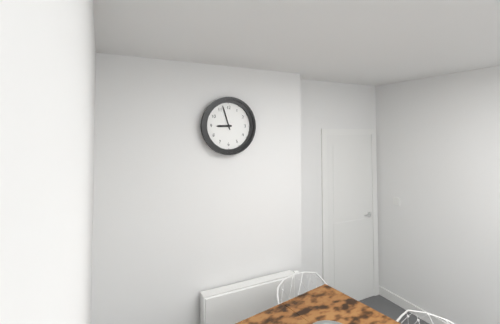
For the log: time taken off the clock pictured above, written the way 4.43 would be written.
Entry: 8.57
